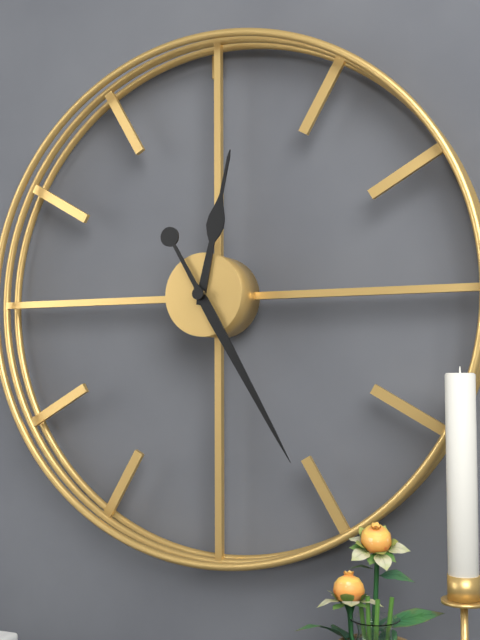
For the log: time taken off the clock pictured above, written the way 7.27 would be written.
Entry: 12.25
